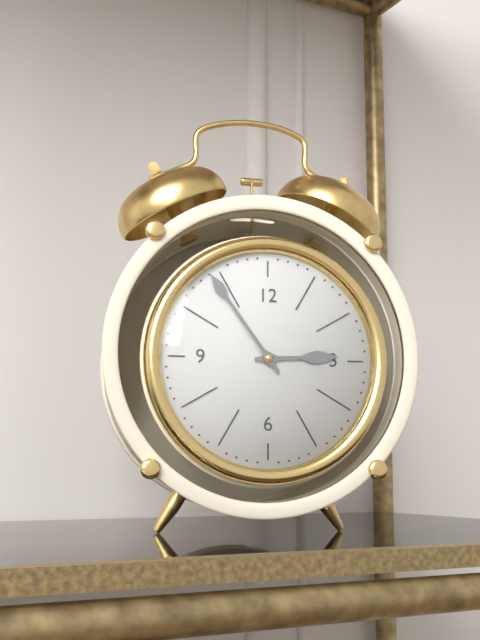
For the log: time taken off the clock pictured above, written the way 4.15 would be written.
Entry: 2.54
